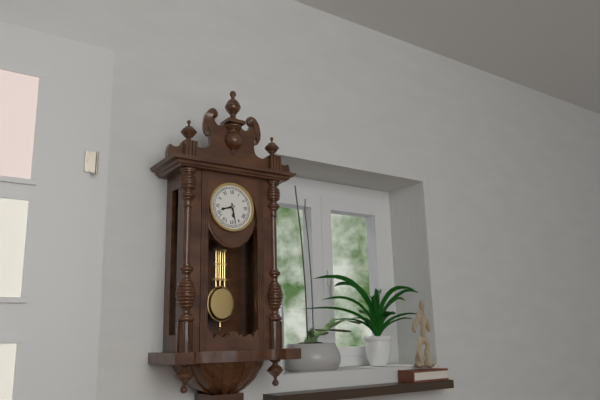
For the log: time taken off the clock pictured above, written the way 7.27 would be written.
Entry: 8.28
